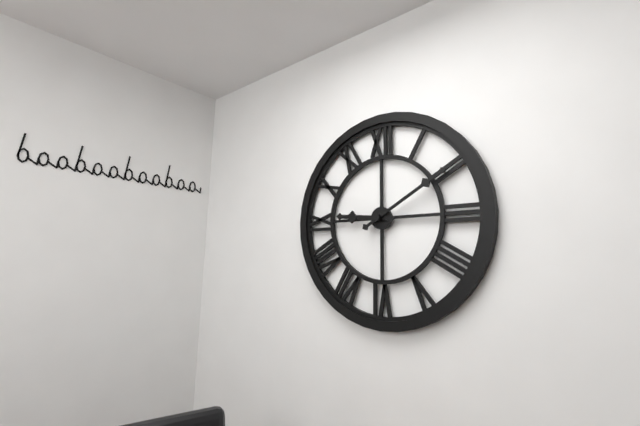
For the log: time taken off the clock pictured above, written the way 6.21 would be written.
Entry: 9.10
